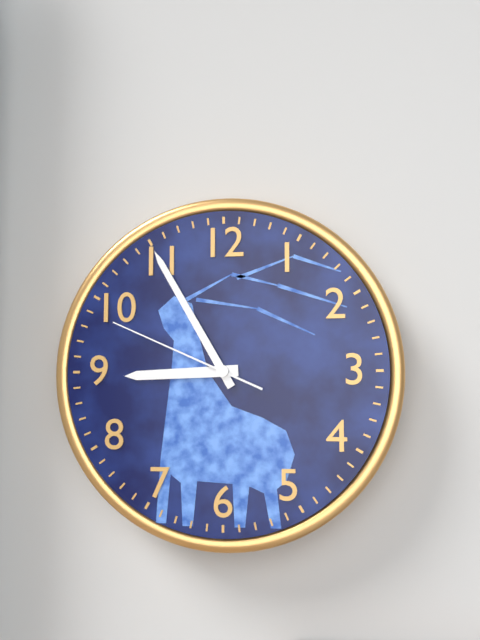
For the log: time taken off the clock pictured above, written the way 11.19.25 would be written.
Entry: 8.55.49
